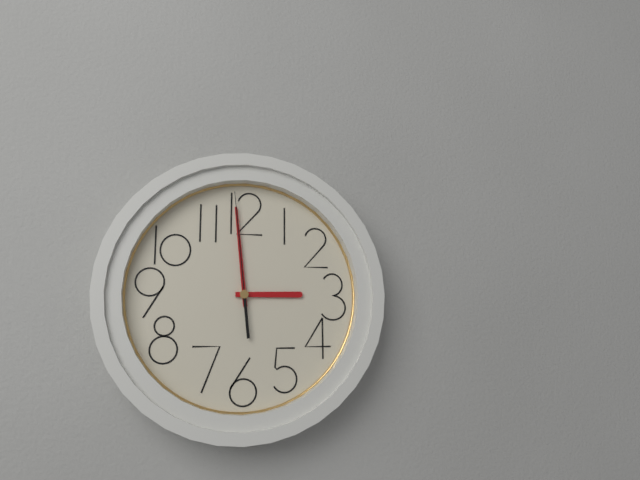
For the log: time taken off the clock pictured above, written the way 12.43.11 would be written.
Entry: 2.59.59
